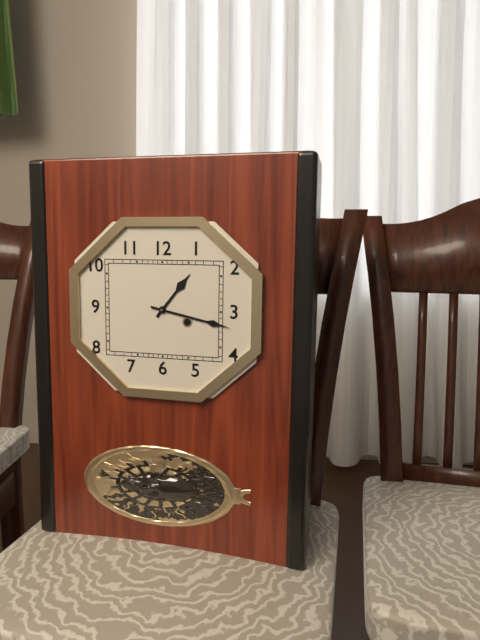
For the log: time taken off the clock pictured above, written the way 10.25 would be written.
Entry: 1.17
